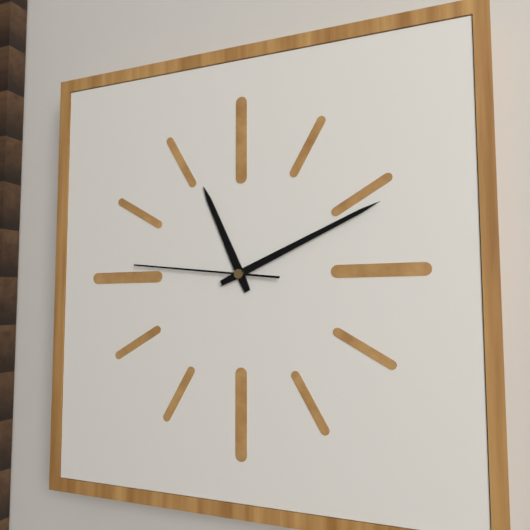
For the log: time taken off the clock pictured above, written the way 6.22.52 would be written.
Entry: 11.11.46
